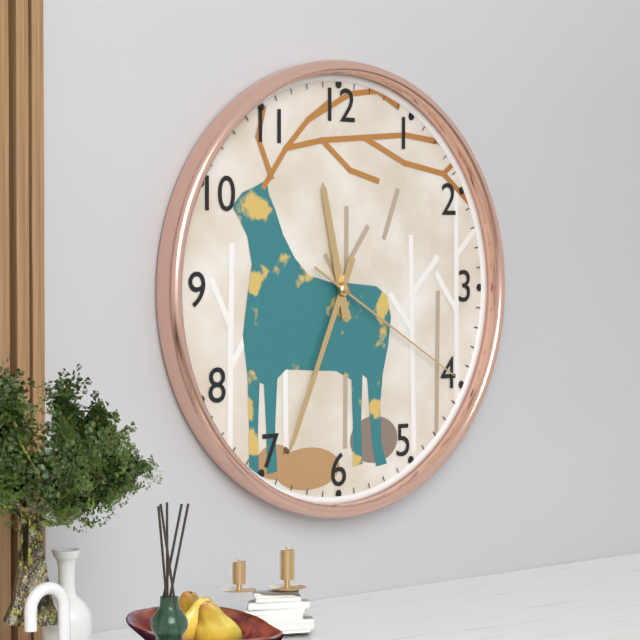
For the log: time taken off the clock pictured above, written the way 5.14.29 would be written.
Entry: 11.34.20
